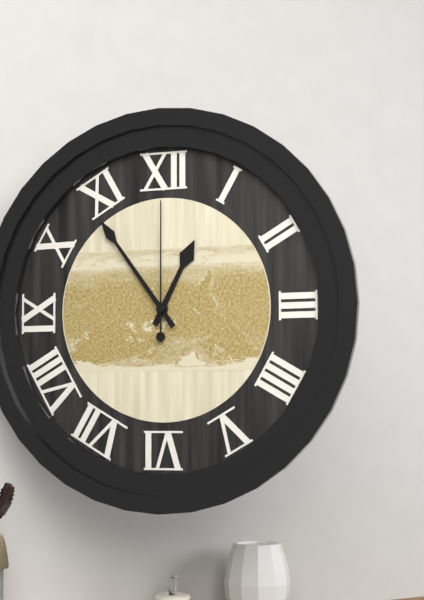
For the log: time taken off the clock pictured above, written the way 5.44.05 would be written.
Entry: 12.54.00
